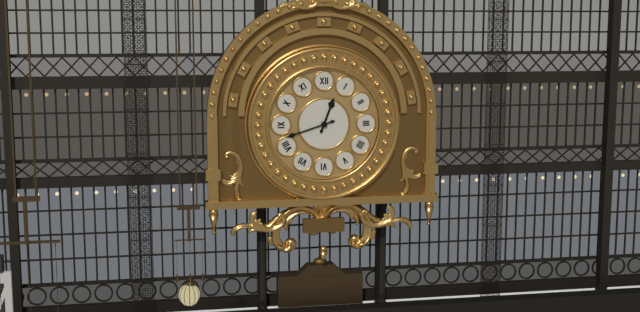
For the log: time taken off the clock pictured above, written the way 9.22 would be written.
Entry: 12.42
